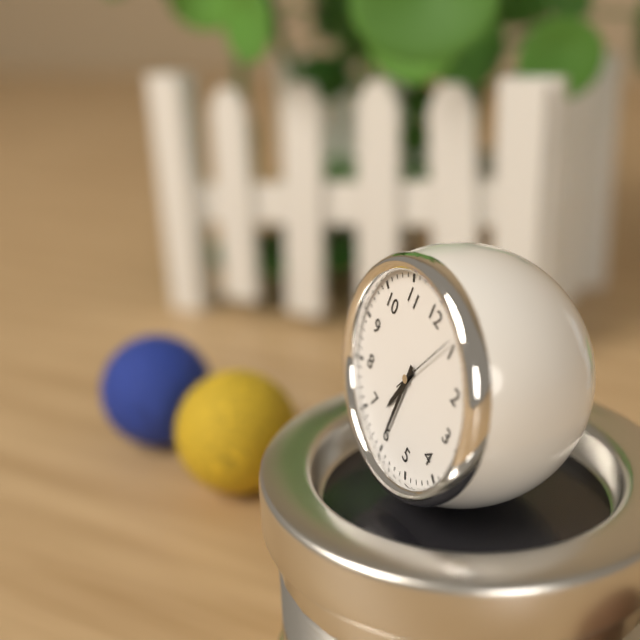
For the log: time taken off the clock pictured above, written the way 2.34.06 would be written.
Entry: 6.30.04
